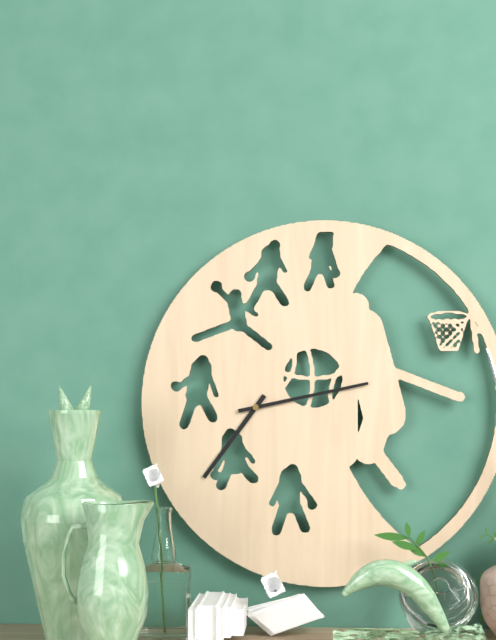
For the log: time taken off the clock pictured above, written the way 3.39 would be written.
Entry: 7.13
